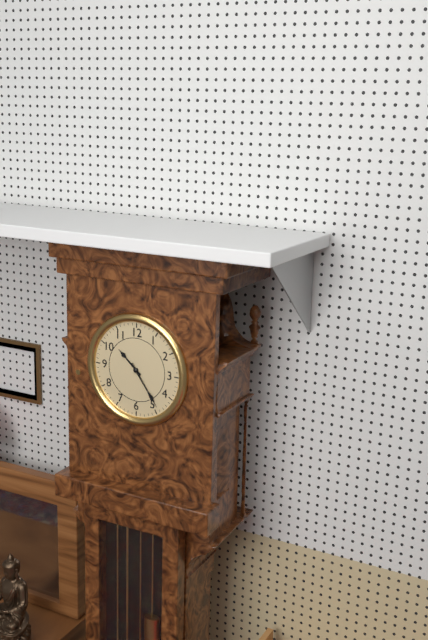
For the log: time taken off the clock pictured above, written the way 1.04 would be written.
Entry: 10.24
